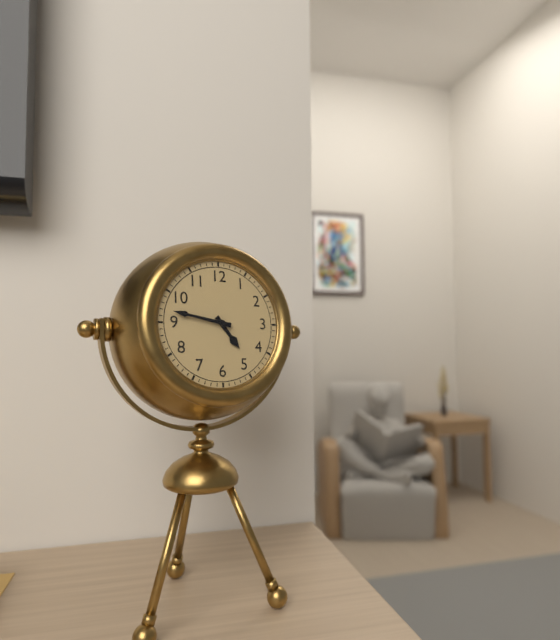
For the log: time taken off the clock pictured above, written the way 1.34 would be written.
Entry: 4.47
